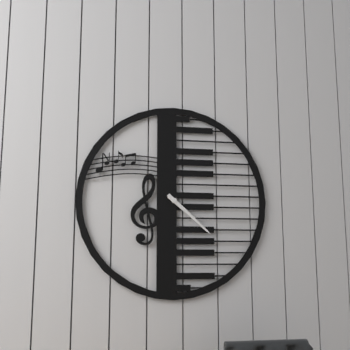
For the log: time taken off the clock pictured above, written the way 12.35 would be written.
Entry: 4.22
